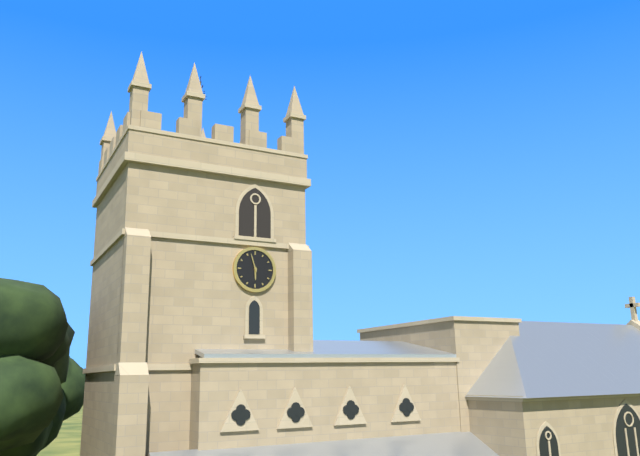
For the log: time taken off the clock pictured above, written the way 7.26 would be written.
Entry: 5.57
